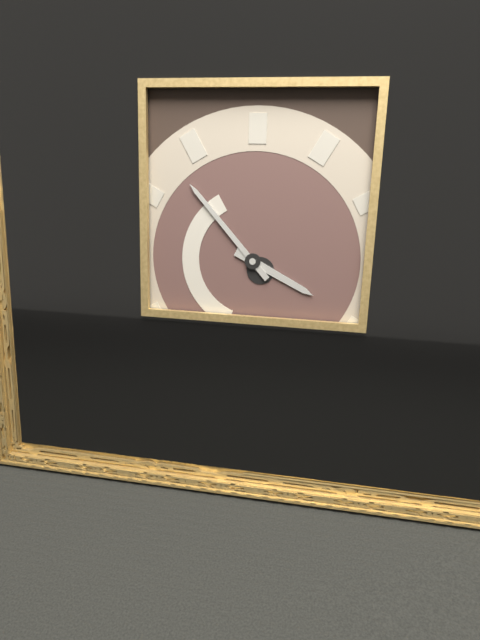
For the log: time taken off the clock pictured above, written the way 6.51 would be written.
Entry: 3.53
